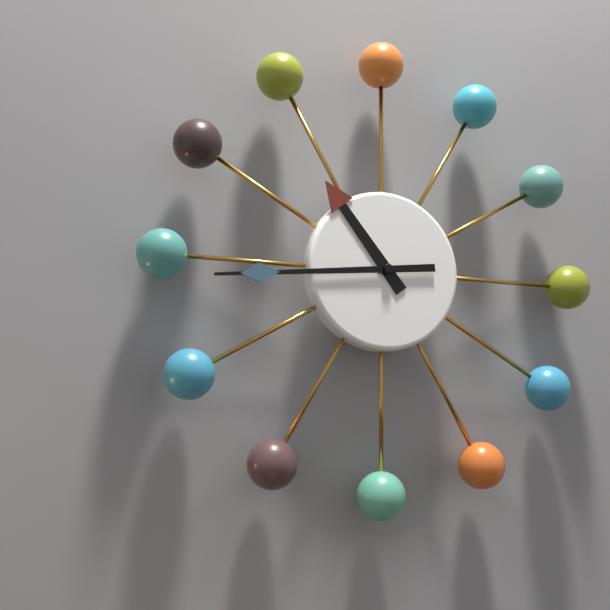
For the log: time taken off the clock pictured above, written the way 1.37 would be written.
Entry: 10.44
